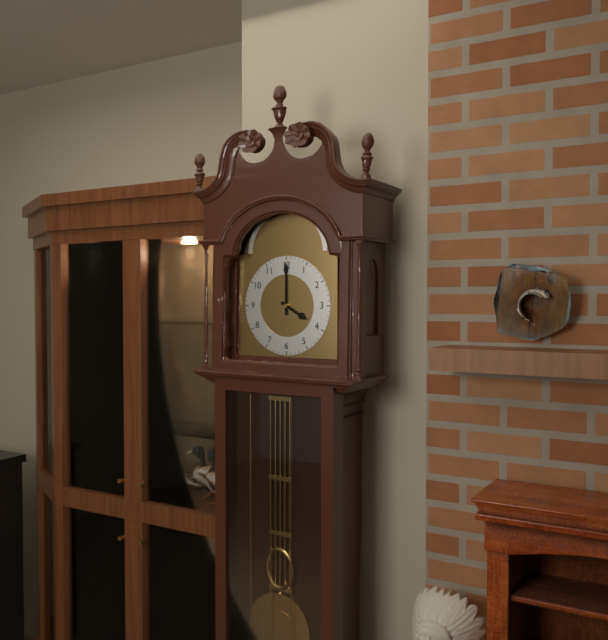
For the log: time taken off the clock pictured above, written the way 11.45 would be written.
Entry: 4.00
